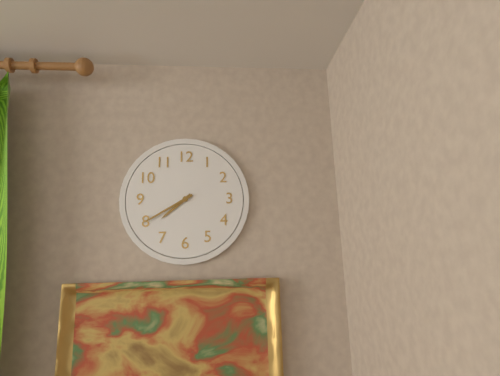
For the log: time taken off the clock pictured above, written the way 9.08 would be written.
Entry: 7.40
